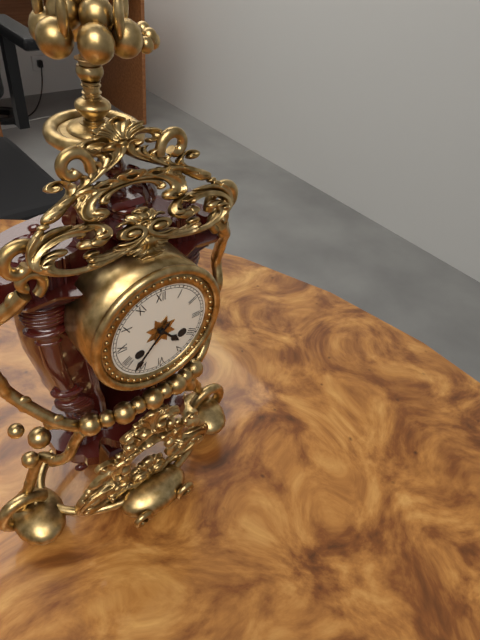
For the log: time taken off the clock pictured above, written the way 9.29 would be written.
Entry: 4.37
